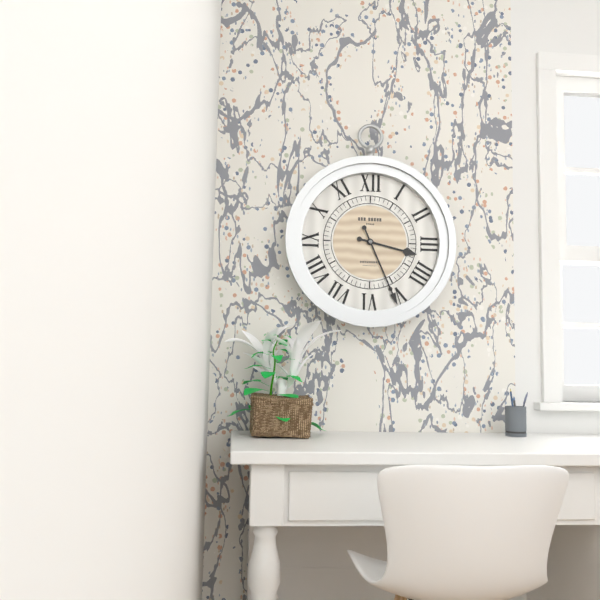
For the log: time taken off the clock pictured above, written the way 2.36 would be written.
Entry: 3.26
